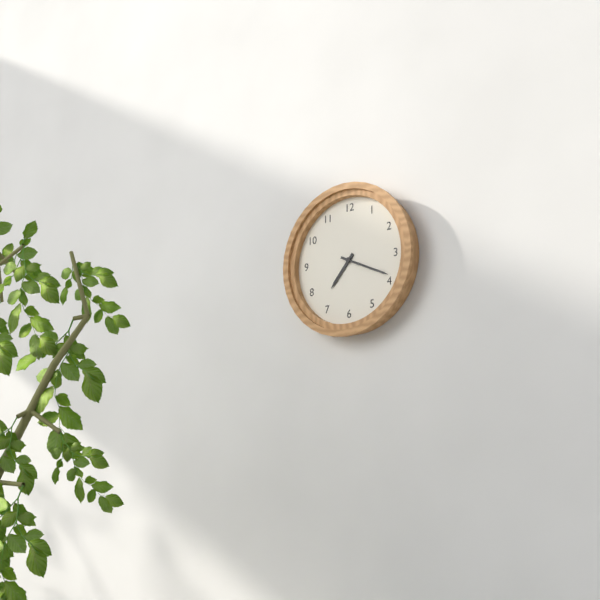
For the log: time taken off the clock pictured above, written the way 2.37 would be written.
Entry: 7.19
